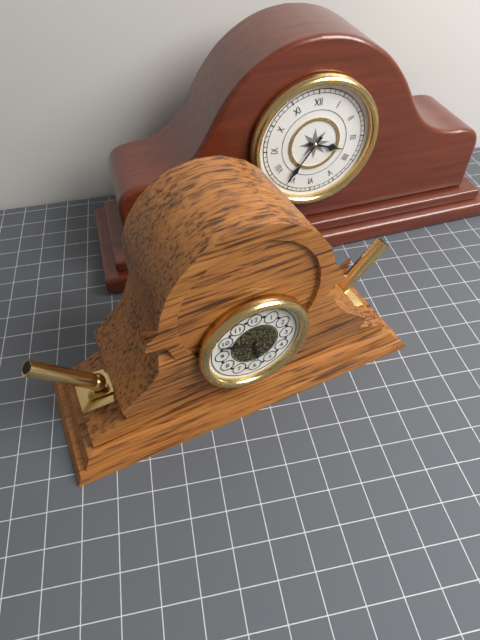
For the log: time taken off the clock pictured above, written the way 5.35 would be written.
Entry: 5.49
